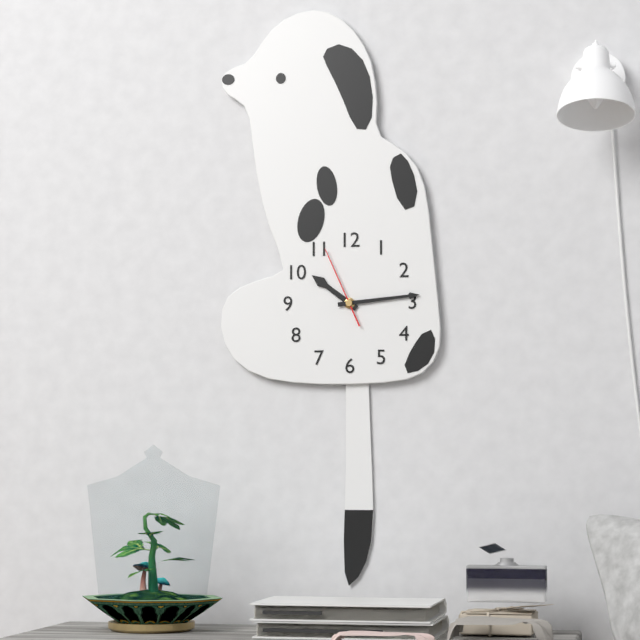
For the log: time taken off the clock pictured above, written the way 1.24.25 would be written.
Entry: 10.14.56
